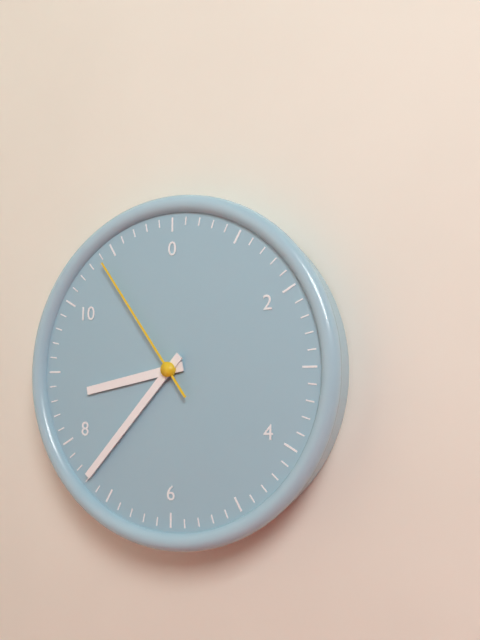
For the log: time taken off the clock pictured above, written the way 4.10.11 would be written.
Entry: 8.37.54
